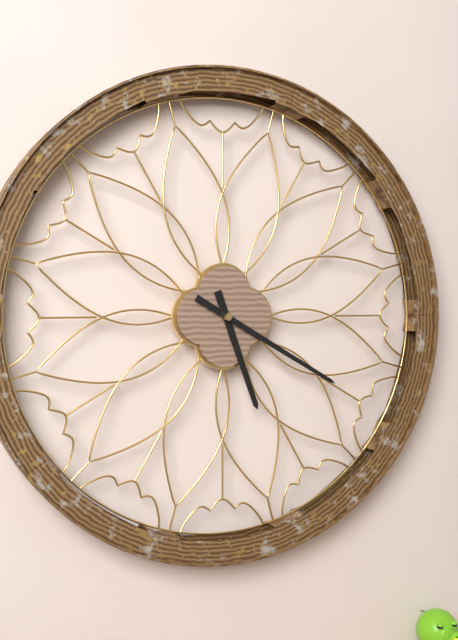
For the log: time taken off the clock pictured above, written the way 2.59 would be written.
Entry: 5.20
